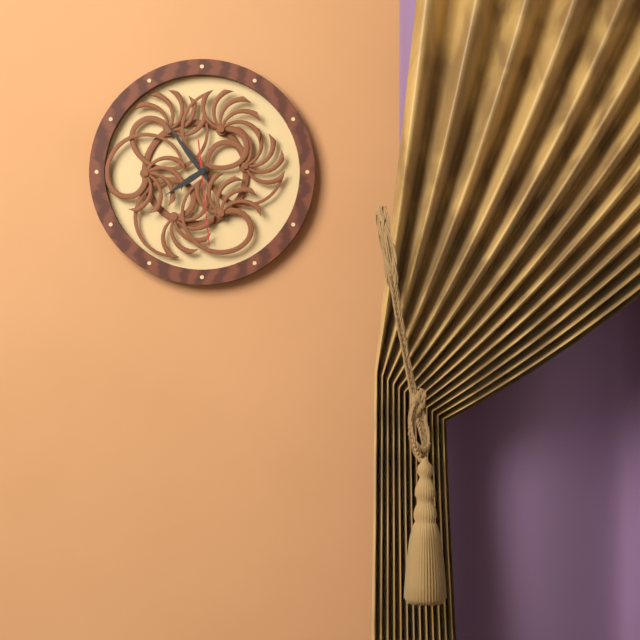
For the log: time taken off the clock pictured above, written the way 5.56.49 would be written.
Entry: 7.54.29
